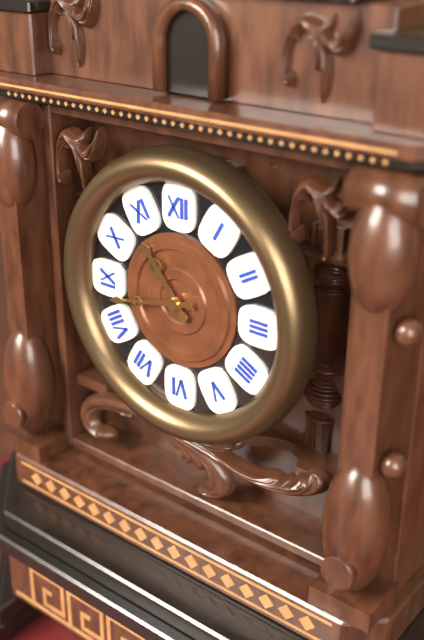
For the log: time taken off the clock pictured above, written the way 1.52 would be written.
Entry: 10.43
